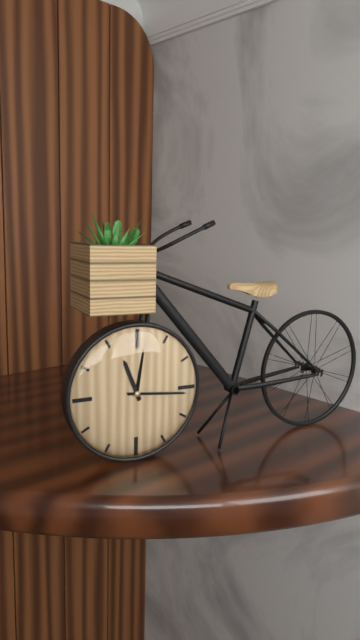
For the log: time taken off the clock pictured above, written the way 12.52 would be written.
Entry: 11.16
